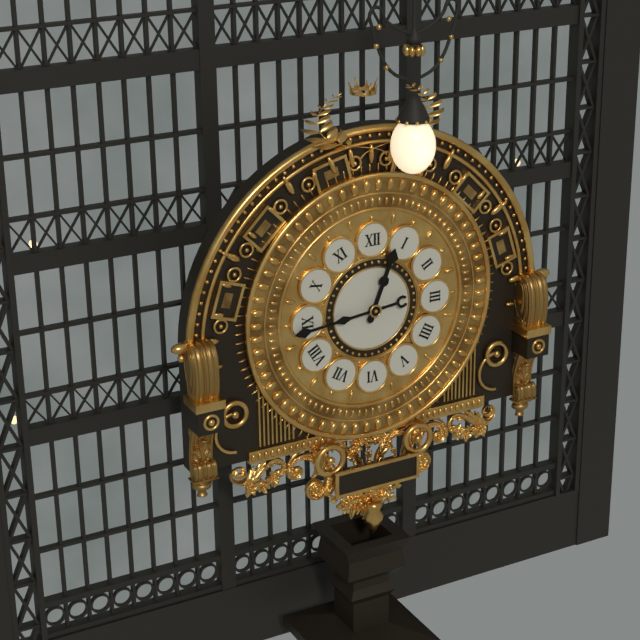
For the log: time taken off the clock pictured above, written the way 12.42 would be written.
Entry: 12.44
